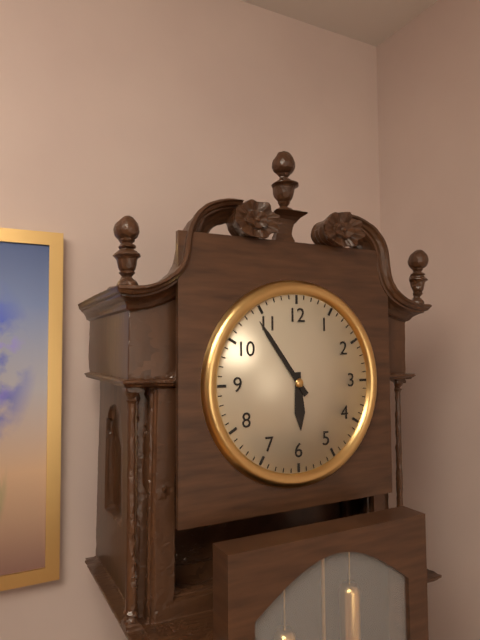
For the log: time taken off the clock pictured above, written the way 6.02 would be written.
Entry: 5.54
